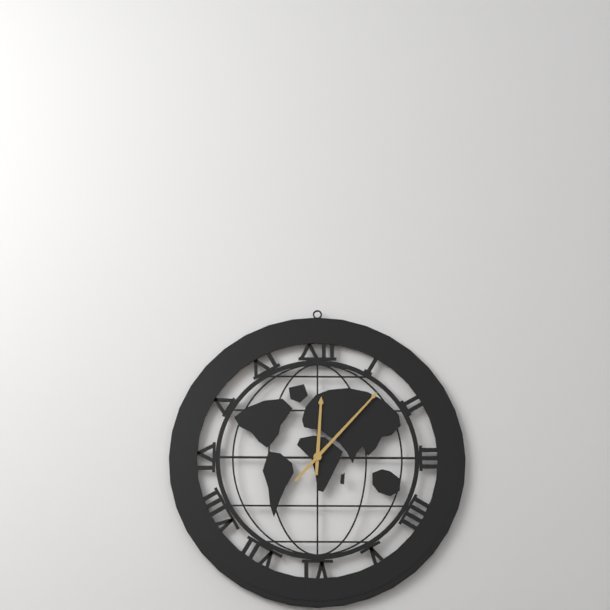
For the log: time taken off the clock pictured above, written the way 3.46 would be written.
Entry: 12.07
